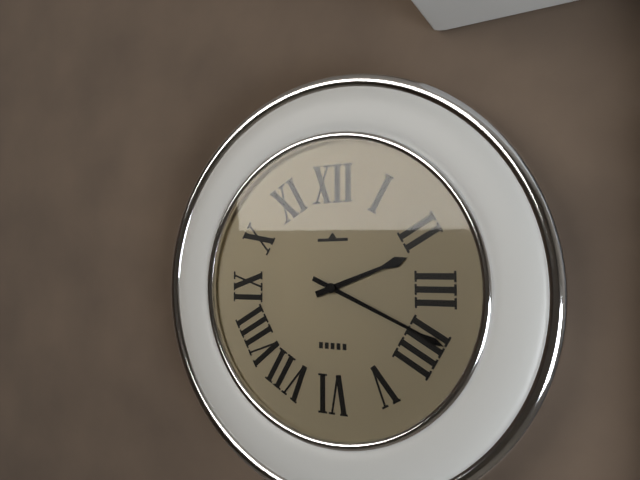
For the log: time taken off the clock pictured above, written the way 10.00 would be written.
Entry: 2.19
